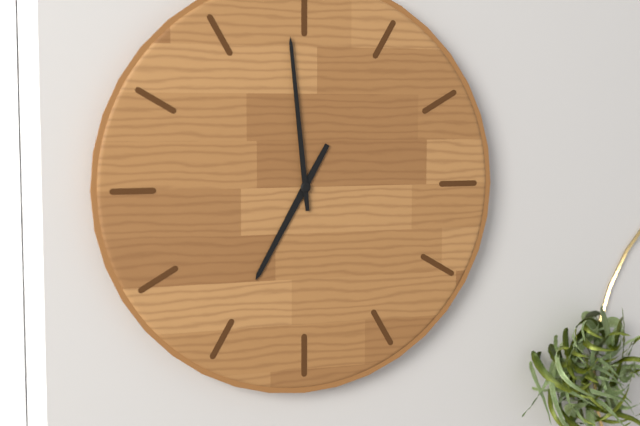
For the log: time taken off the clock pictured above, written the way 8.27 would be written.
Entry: 6.59
